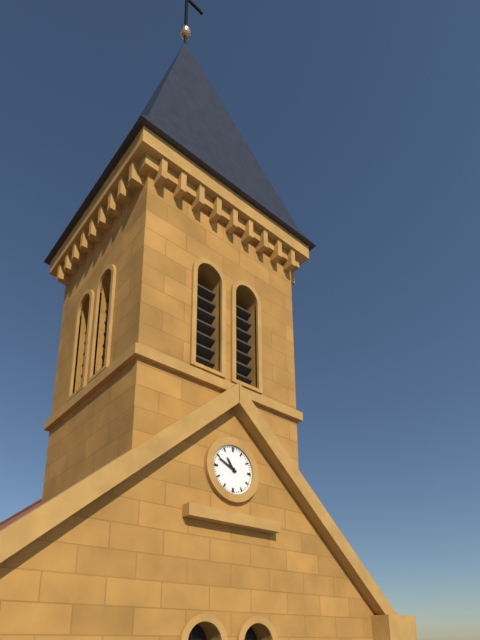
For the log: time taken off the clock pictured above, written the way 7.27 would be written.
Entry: 10.49
